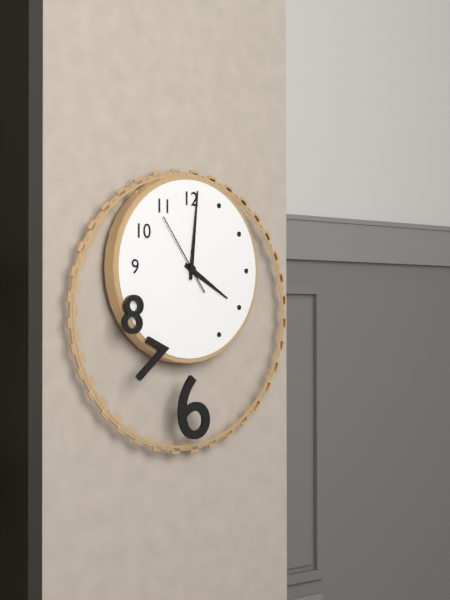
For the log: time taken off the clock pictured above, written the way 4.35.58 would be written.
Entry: 4.01.54
